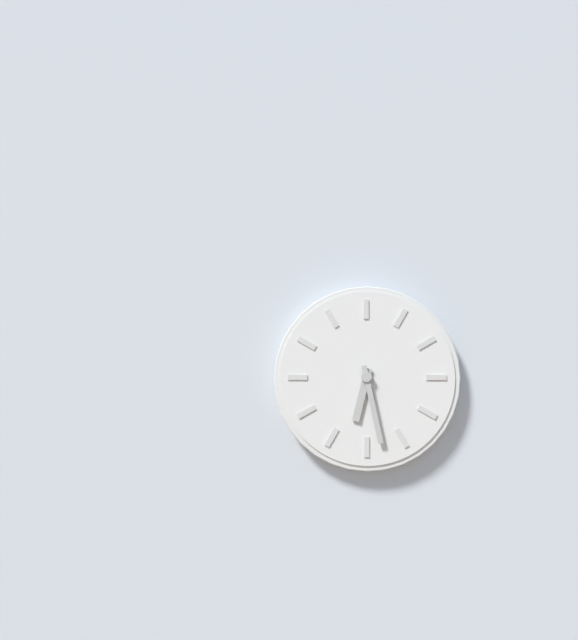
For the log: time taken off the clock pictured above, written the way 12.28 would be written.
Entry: 6.28
